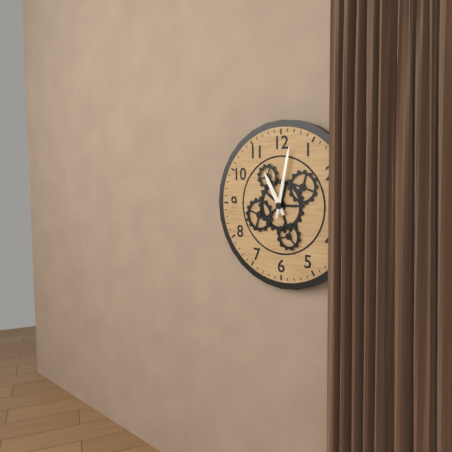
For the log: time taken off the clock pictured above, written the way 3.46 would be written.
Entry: 11.02
